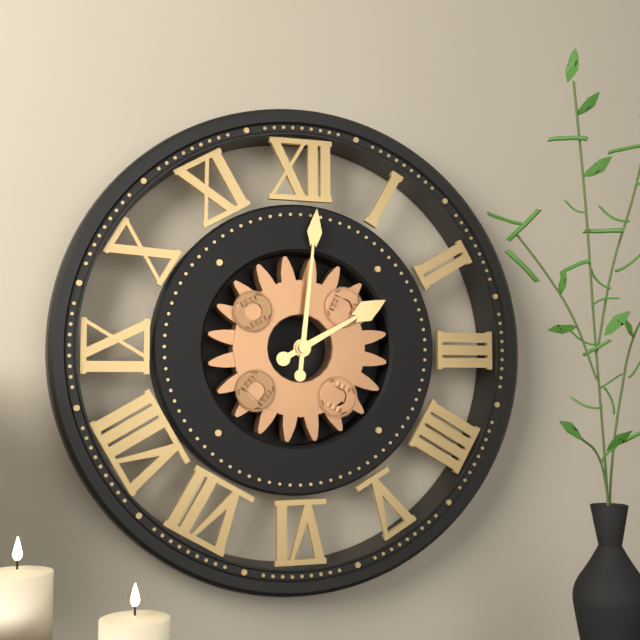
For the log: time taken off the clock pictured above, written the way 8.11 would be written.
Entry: 2.01
